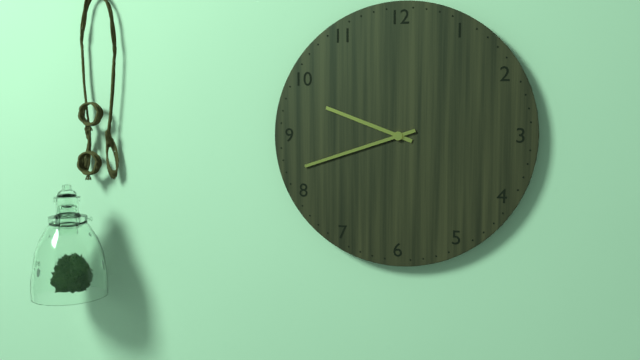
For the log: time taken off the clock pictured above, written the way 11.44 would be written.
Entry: 9.42
